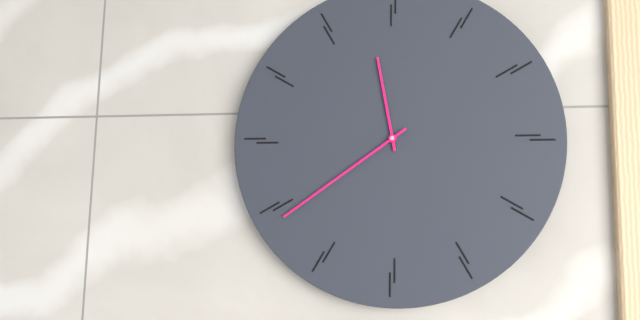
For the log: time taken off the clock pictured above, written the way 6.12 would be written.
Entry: 11.39
